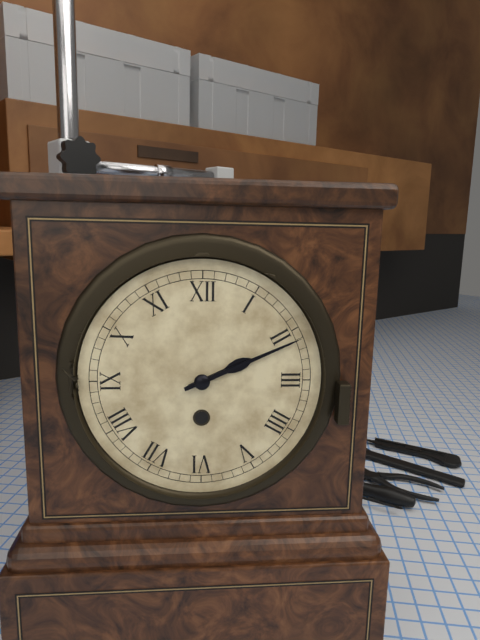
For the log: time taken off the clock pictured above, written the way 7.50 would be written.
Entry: 2.11
